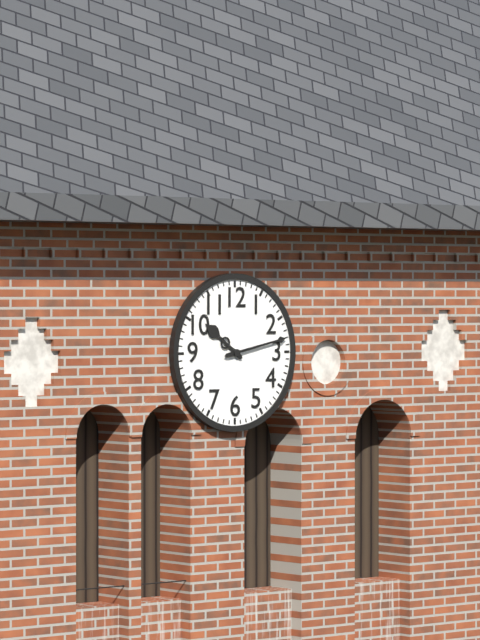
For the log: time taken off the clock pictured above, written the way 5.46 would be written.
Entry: 10.13
